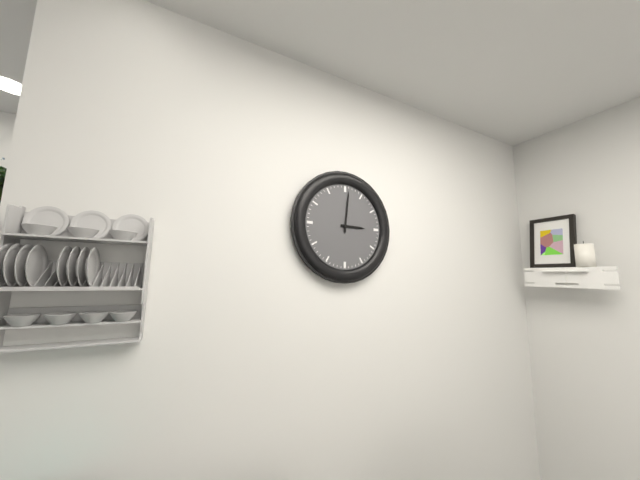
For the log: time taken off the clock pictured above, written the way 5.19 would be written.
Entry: 3.01
